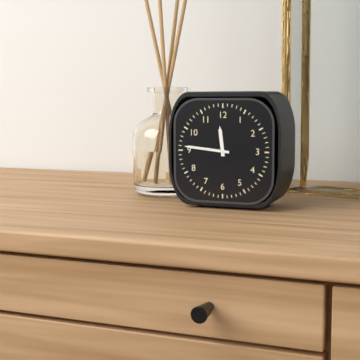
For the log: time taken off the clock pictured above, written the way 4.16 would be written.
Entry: 11.46
